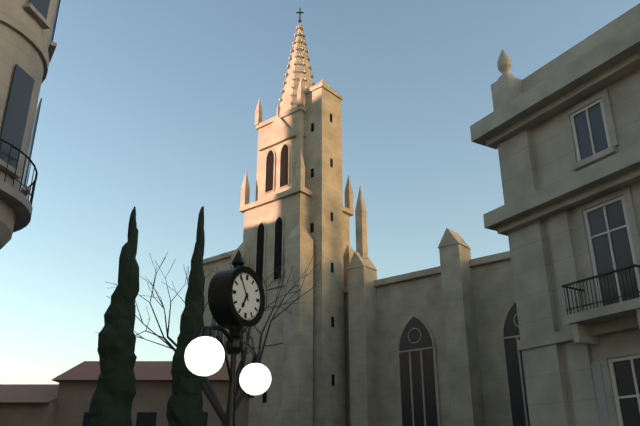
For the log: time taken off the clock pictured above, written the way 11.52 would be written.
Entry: 6.55
